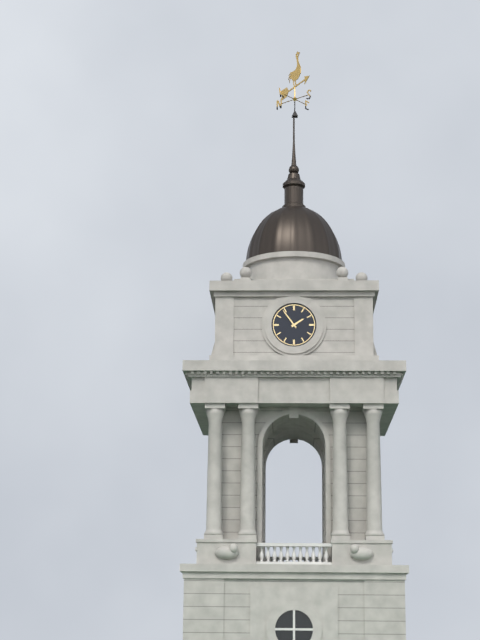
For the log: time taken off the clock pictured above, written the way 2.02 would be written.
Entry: 1.54
